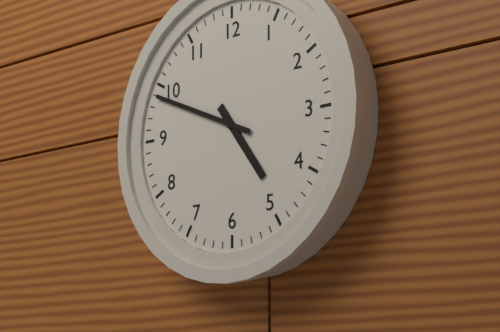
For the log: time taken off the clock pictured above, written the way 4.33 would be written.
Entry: 4.49
